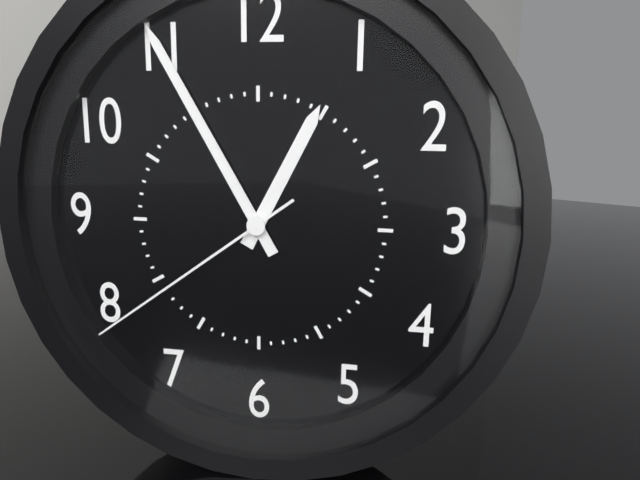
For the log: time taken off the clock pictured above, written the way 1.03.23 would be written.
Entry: 12.55.39
